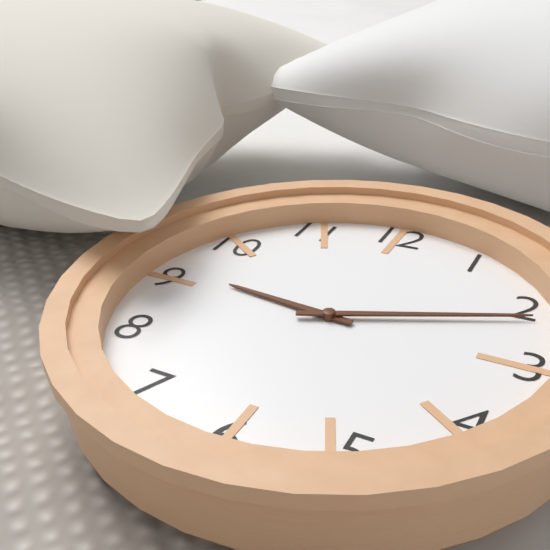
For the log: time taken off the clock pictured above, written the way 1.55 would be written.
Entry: 9.11
